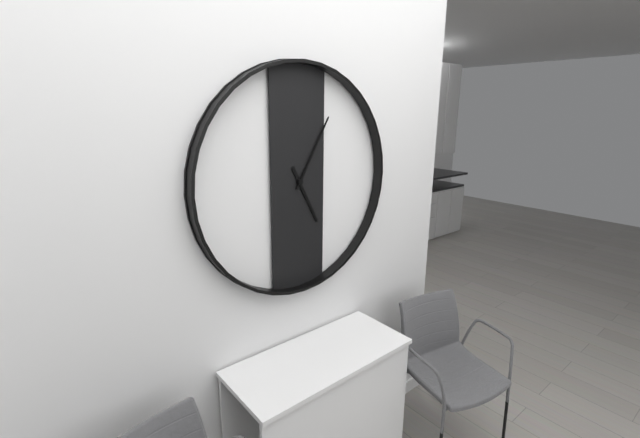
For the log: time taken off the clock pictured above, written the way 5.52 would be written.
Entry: 5.05
